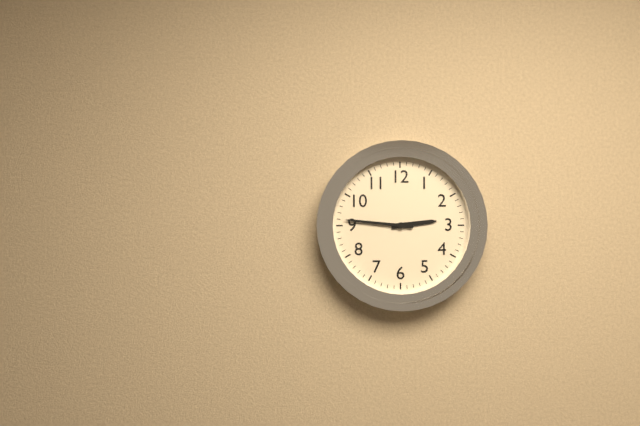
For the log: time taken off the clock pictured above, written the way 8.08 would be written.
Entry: 2.46
